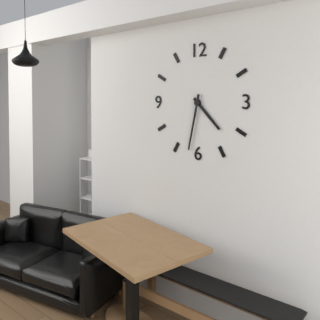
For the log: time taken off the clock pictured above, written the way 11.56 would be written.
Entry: 4.32
